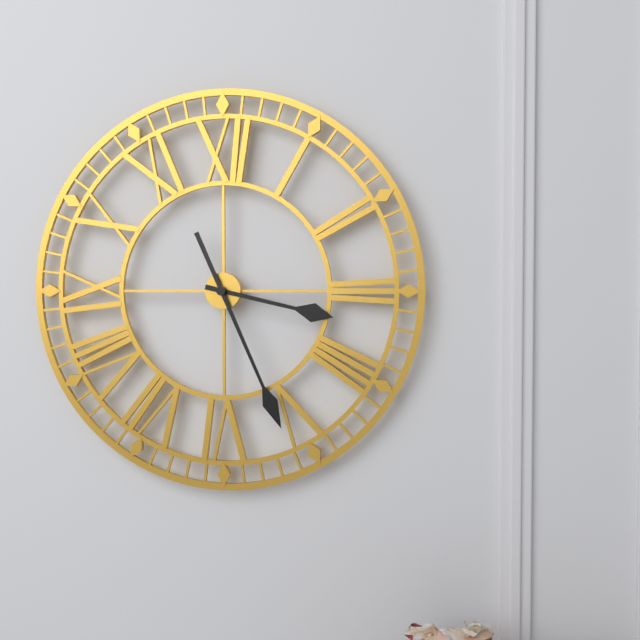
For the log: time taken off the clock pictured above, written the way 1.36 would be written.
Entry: 3.26
